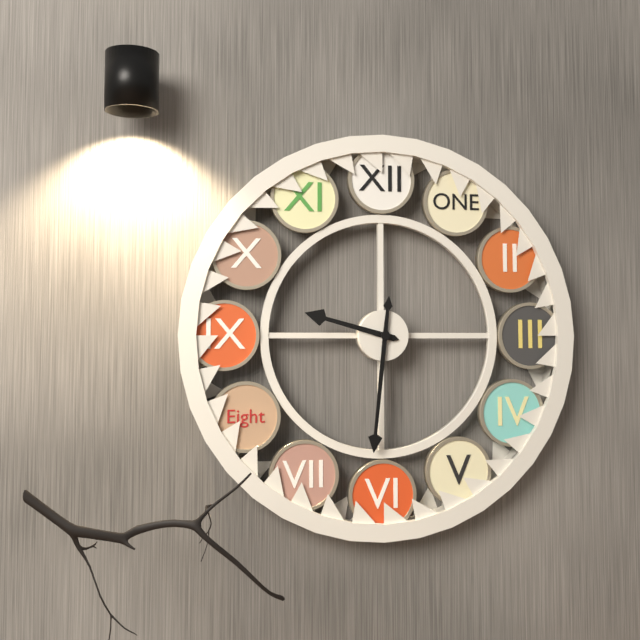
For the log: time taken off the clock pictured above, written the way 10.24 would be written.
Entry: 9.31
